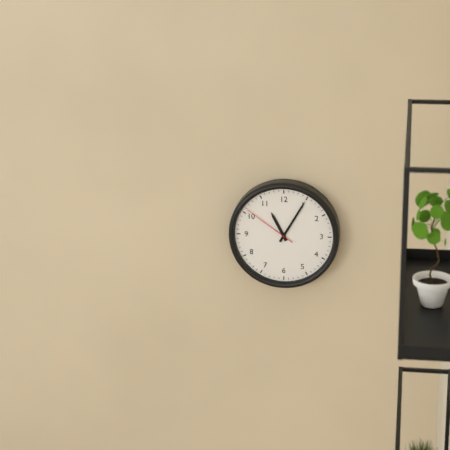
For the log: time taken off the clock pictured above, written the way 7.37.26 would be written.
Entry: 11.05.51
